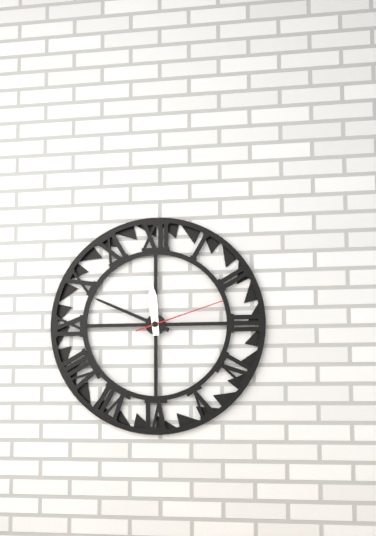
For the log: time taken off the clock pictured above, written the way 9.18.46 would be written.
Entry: 11.49.12
